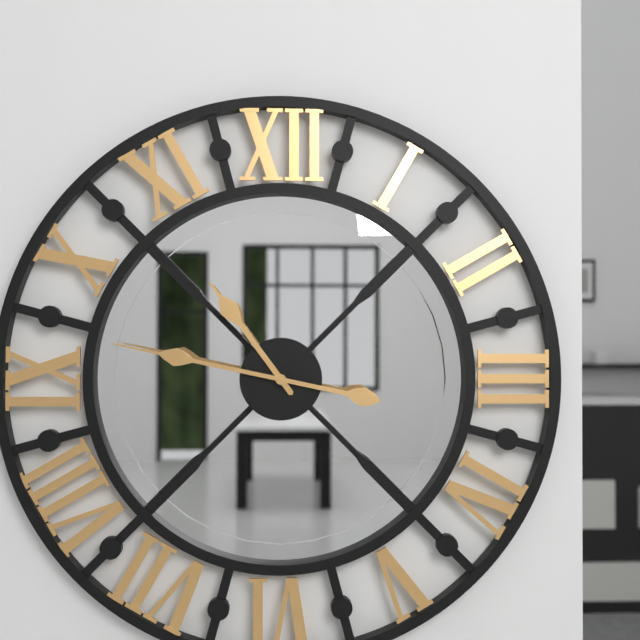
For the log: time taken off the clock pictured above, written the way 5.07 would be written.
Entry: 10.47
